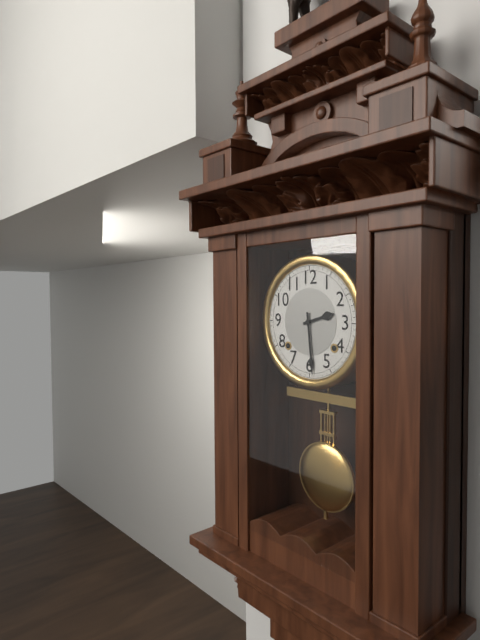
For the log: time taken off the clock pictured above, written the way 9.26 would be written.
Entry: 2.29
